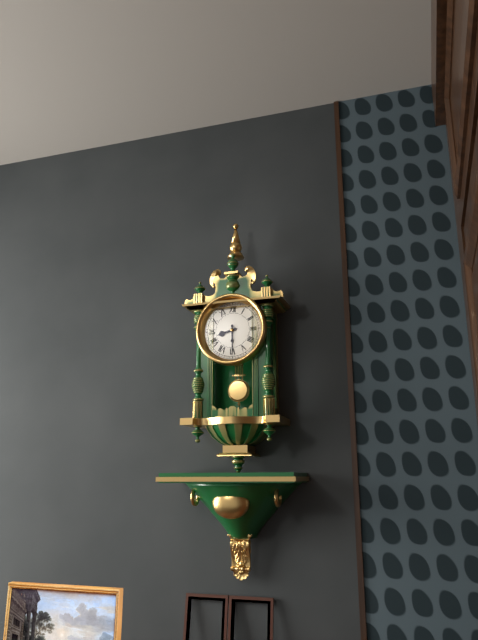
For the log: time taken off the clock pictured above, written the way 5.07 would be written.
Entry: 8.30
